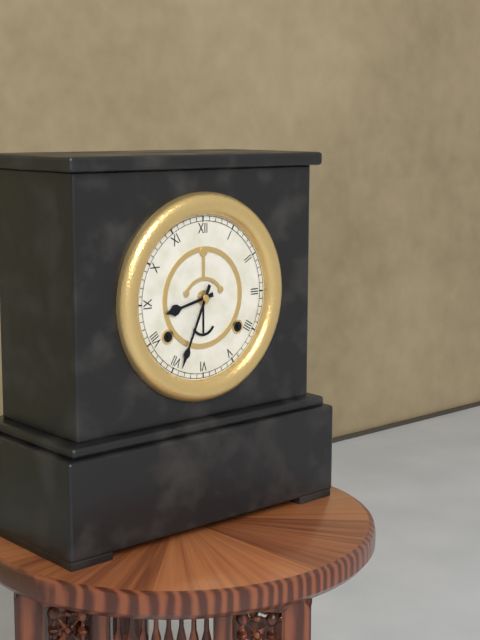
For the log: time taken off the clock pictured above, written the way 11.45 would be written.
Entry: 8.34
